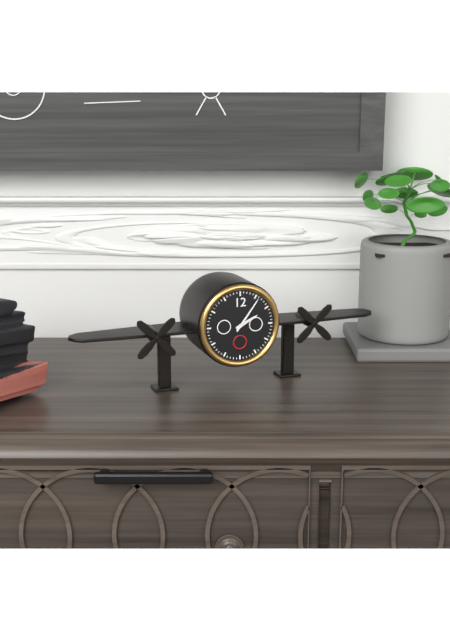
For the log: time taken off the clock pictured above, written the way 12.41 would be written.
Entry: 2.06
